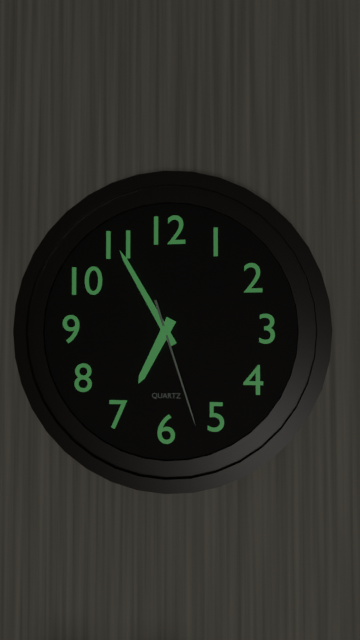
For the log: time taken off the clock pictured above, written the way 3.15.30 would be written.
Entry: 6.55.27
